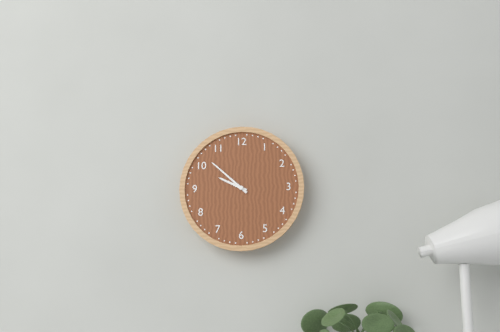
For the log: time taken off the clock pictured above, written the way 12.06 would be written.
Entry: 9.52
